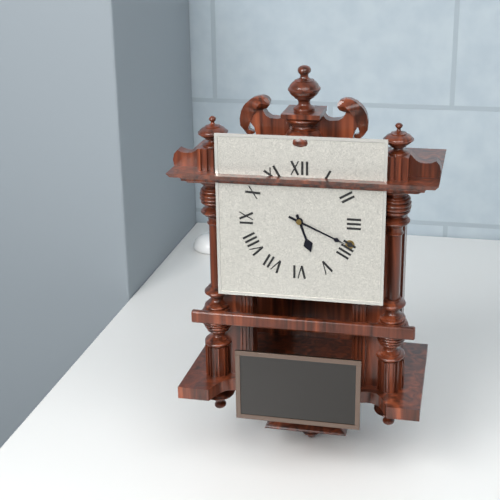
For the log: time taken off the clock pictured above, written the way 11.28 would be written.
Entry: 5.19
